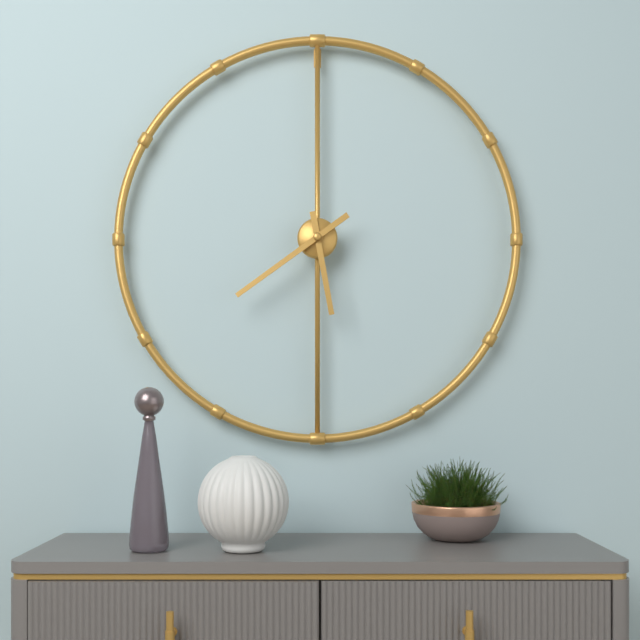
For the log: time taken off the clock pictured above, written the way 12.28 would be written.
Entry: 5.39
